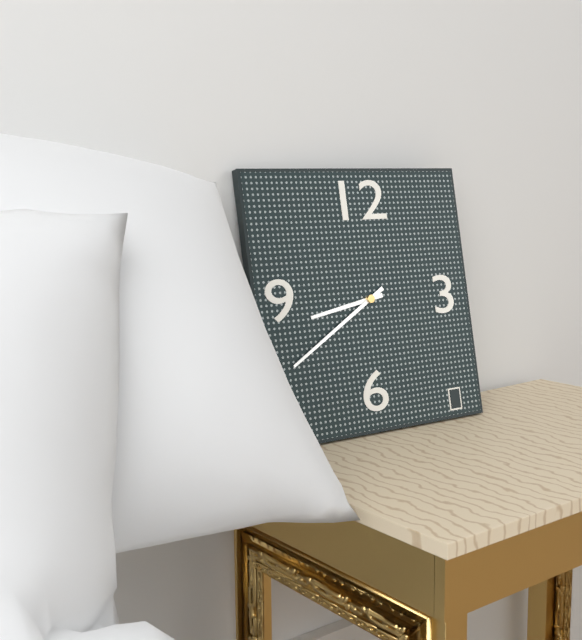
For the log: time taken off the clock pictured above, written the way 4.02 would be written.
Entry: 8.40
